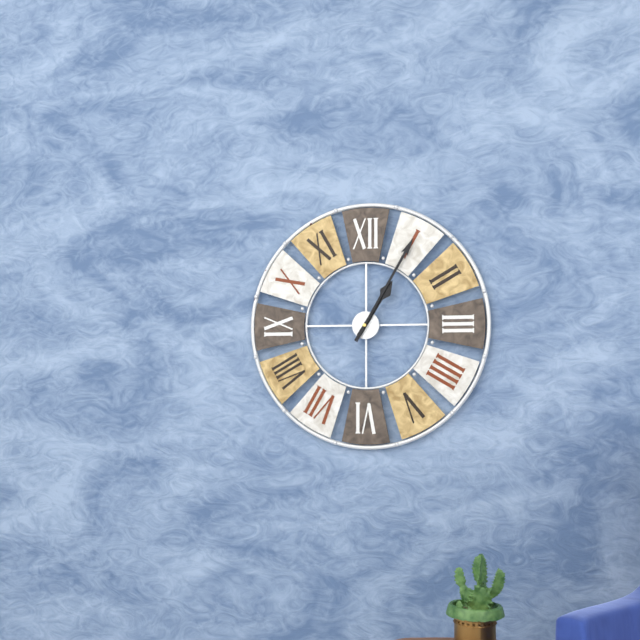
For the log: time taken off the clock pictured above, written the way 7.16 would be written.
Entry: 1.05
